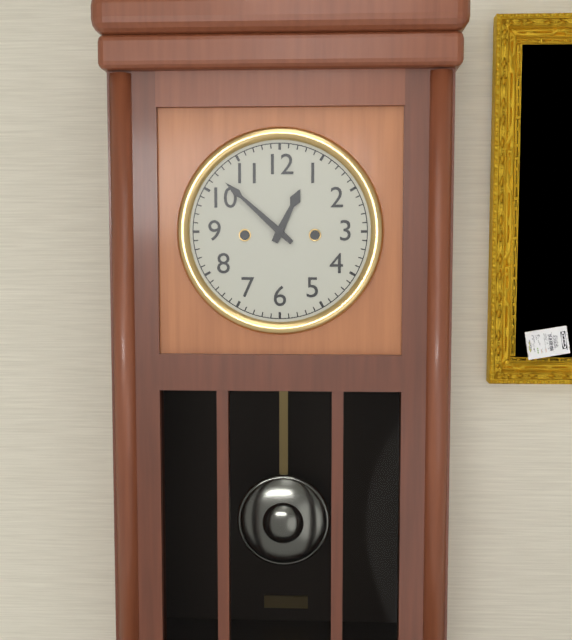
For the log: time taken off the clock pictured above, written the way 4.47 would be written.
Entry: 12.52
